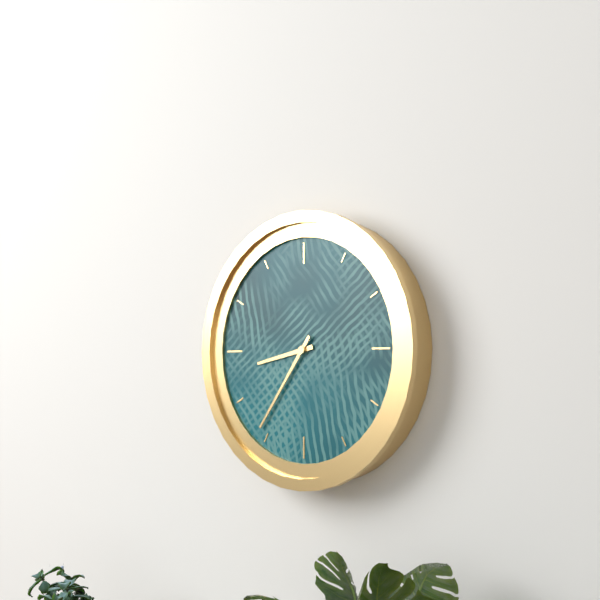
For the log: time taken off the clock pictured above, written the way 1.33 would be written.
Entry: 8.36
